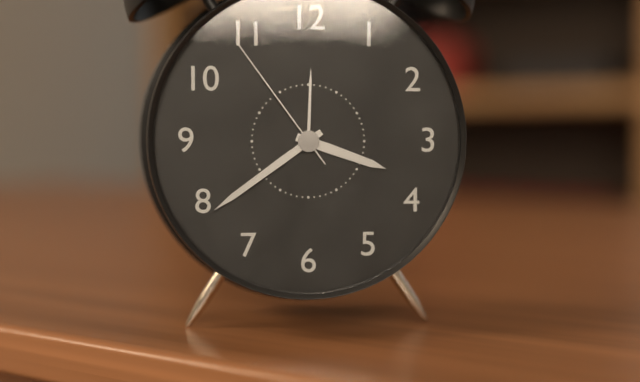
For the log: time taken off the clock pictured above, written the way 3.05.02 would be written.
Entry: 3.39.54
